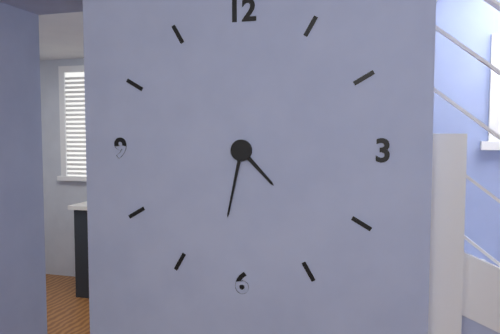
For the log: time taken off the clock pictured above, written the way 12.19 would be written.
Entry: 4.32
